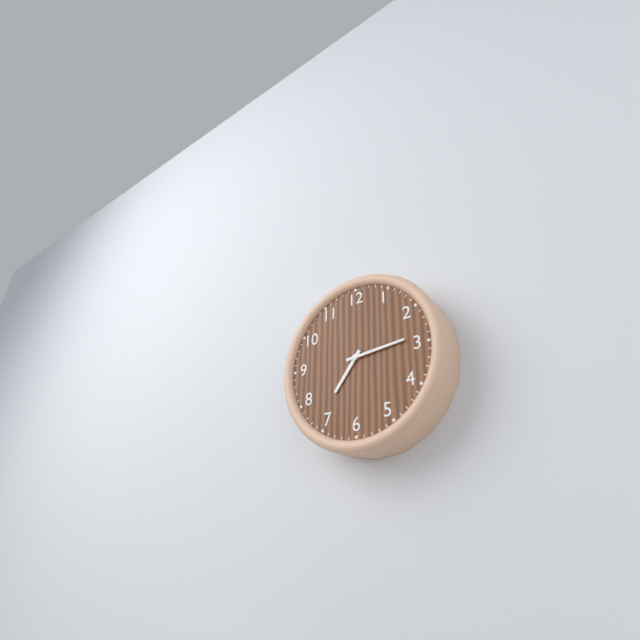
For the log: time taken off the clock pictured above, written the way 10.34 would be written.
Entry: 7.14
